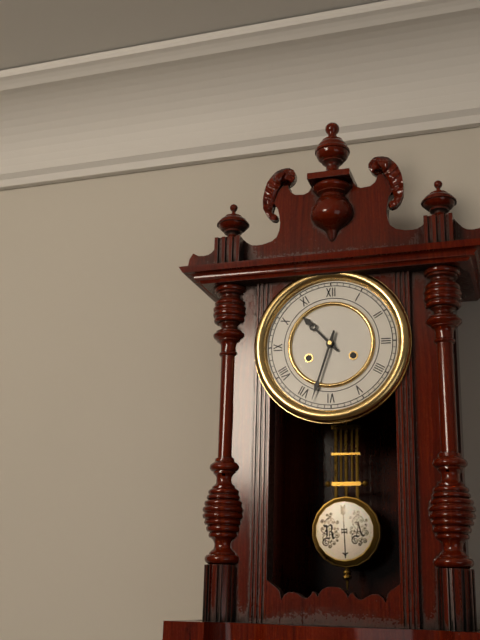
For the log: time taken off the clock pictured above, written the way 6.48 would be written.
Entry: 10.33
